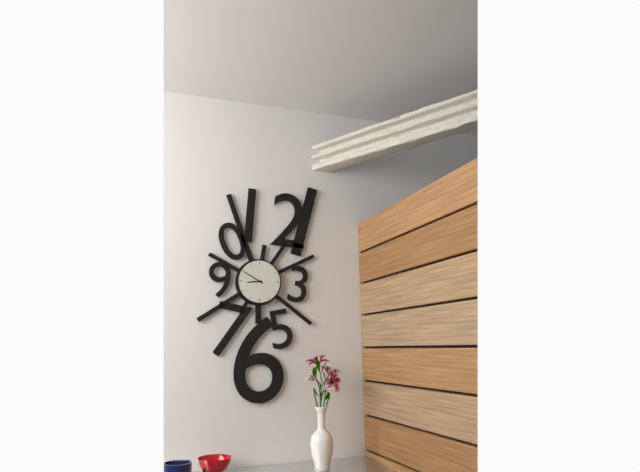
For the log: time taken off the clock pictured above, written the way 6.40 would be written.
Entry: 8.50
